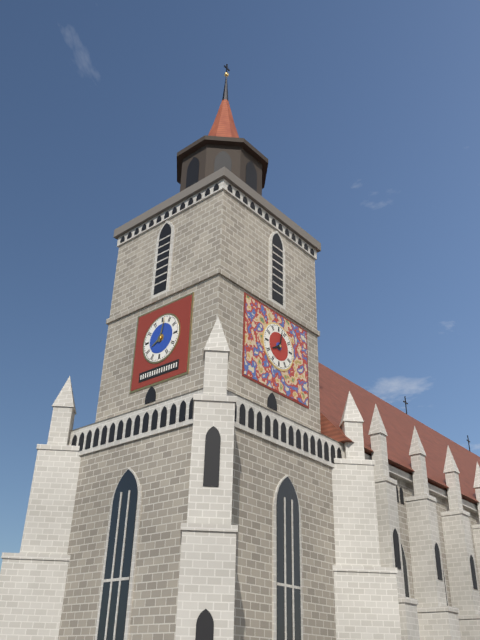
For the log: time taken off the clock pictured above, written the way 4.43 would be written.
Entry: 8.02
